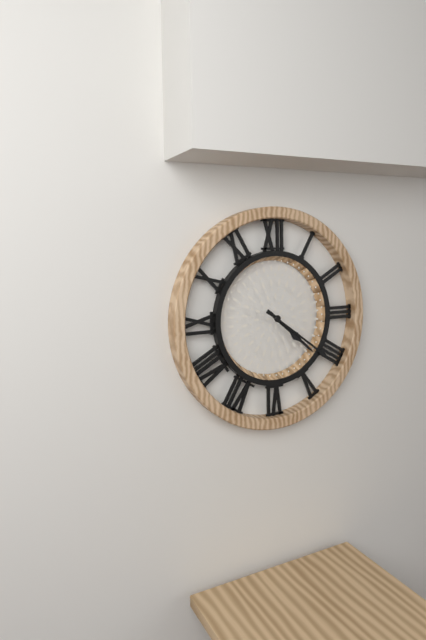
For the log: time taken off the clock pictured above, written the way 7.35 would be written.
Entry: 4.21
